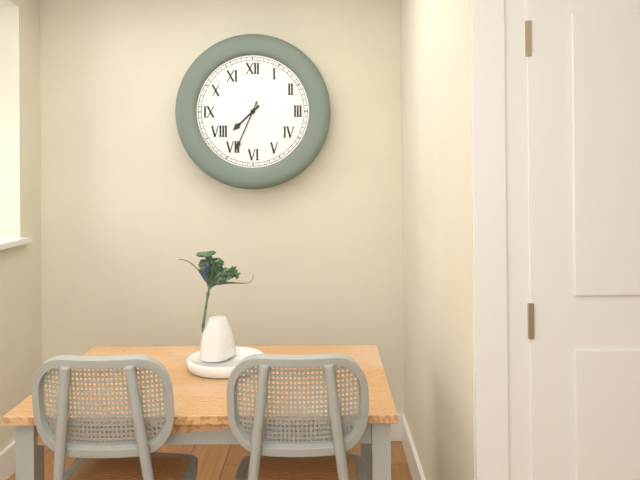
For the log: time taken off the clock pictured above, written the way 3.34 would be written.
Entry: 7.34
